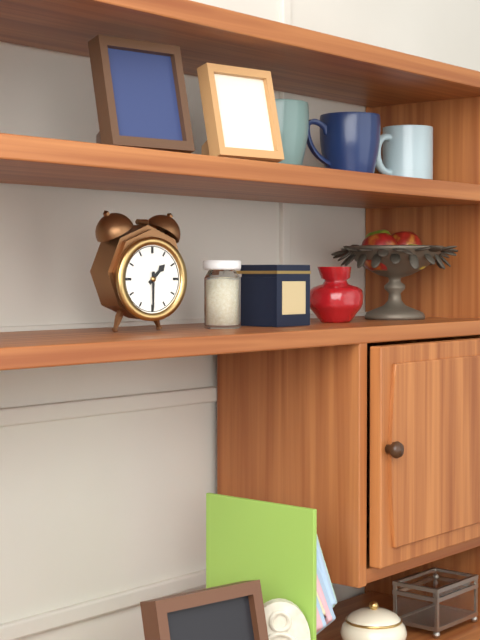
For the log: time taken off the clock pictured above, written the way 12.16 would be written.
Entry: 1.30
